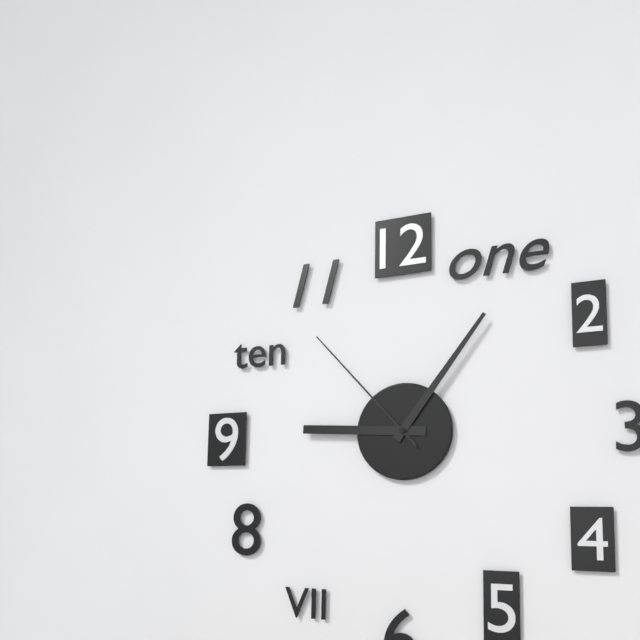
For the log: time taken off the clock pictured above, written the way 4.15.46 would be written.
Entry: 9.06.53
